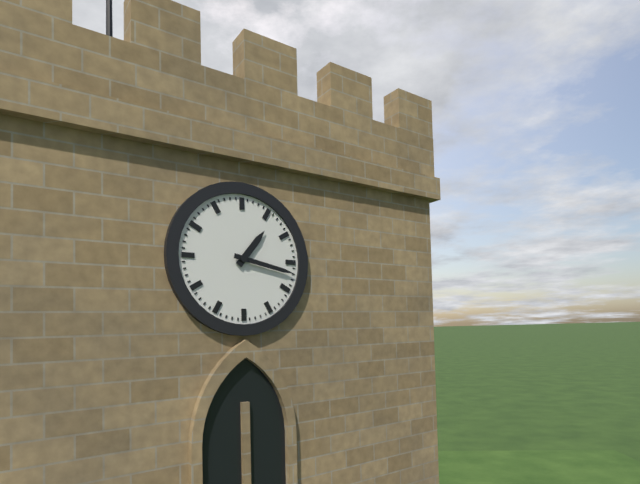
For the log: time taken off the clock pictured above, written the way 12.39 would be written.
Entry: 1.17
